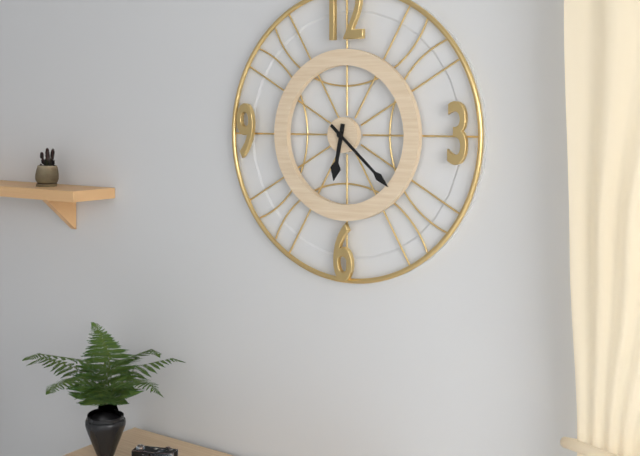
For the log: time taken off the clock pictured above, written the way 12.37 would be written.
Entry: 6.22
